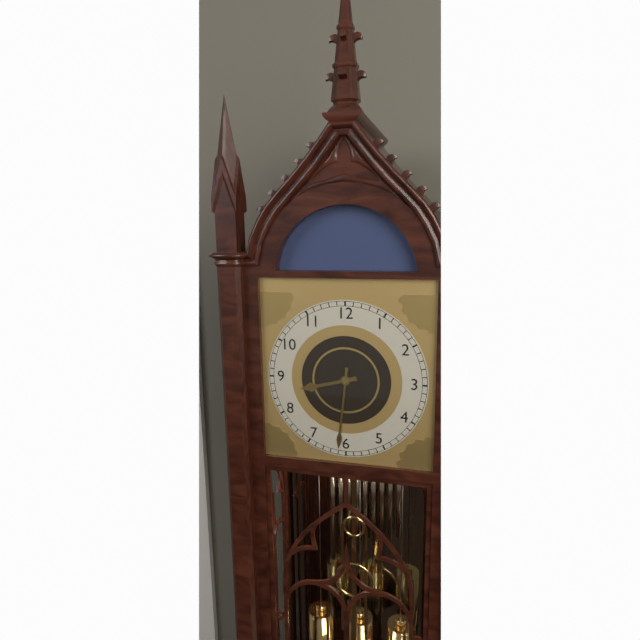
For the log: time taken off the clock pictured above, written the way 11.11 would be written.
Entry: 8.31
